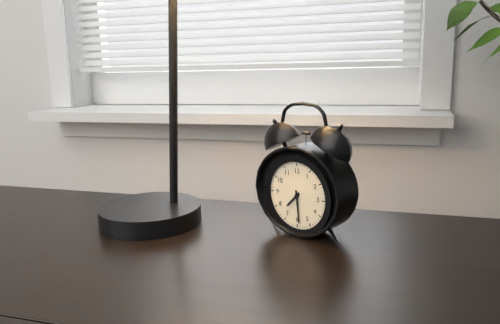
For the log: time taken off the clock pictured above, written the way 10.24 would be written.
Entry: 7.29
